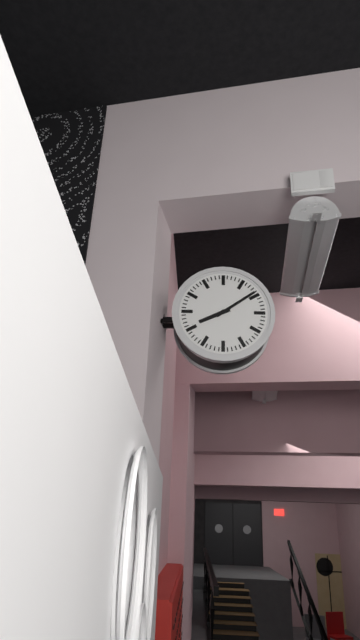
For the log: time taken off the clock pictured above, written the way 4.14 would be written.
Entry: 8.09
